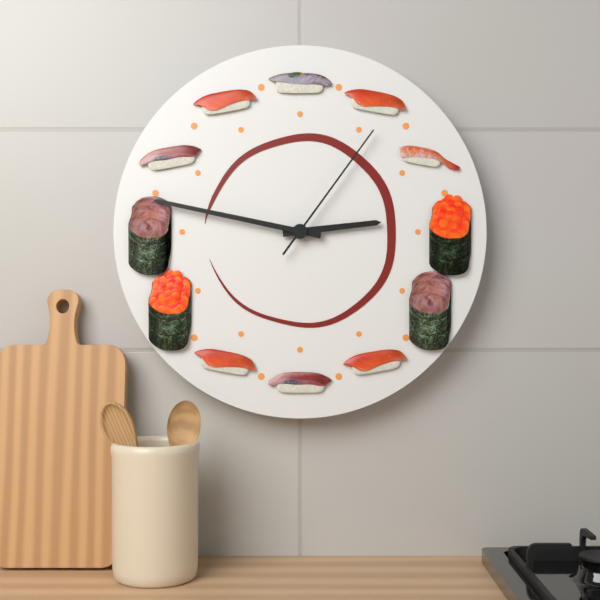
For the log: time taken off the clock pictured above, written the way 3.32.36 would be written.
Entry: 2.47.06
